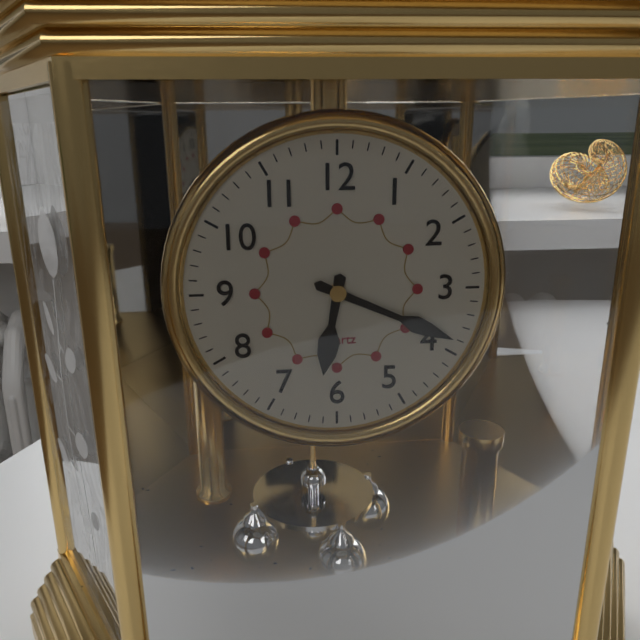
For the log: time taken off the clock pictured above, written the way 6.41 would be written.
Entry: 6.19
